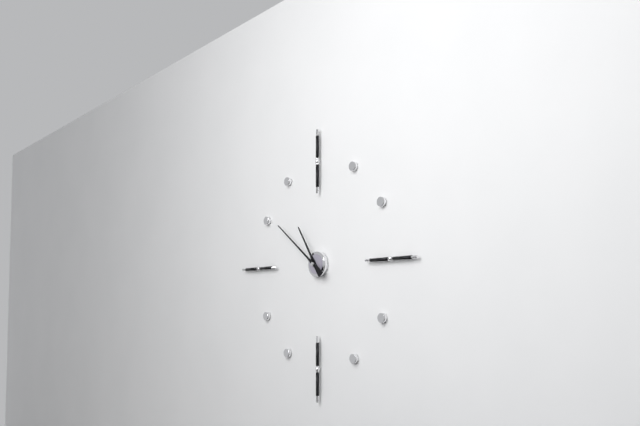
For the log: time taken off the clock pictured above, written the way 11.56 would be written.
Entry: 10.51
